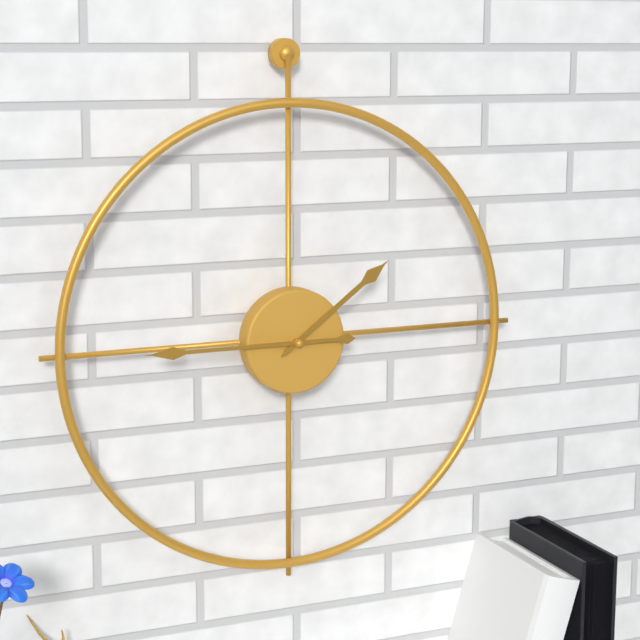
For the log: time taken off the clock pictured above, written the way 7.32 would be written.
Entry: 1.45
